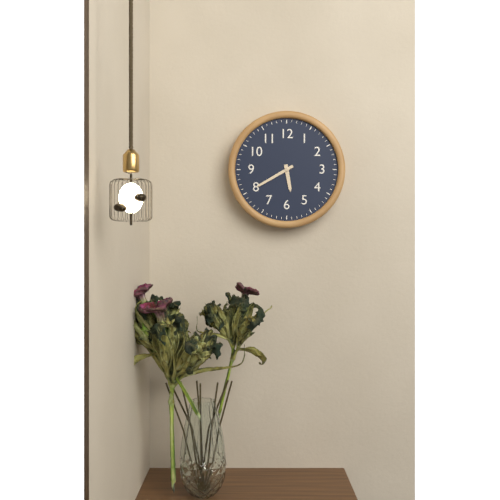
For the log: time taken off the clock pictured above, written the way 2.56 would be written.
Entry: 5.40
